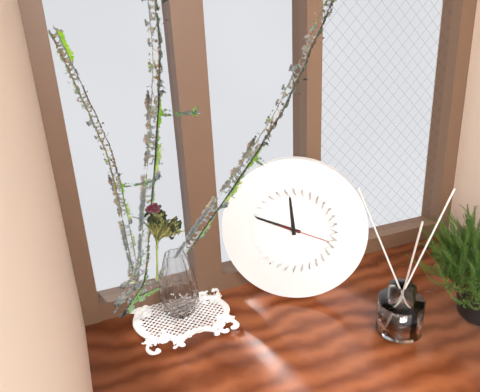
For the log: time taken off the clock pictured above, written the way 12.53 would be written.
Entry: 11.48
